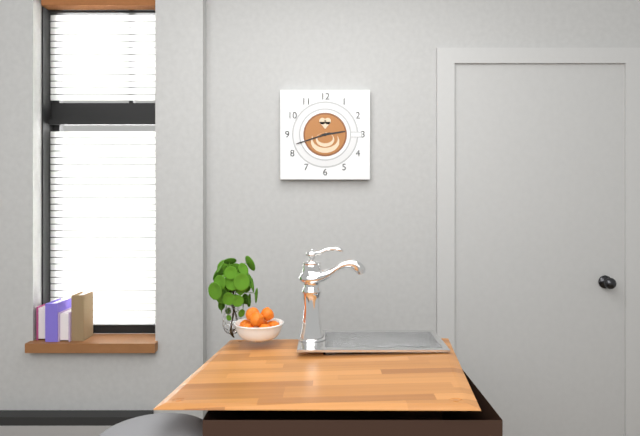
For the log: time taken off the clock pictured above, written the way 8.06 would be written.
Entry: 2.42
